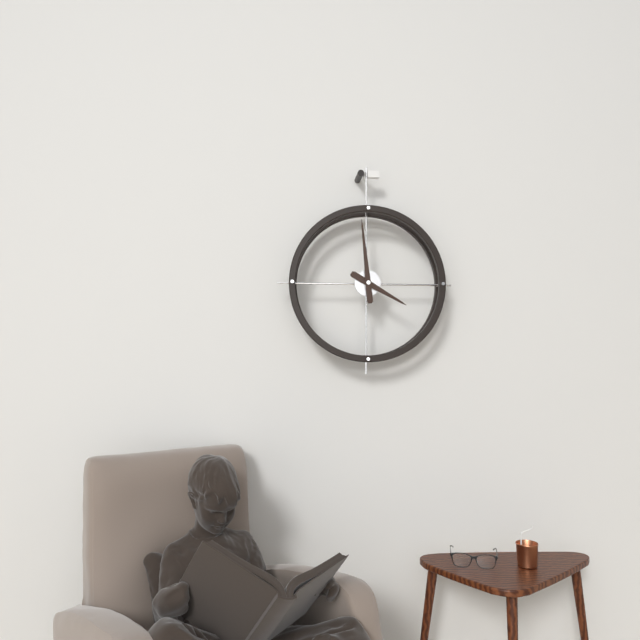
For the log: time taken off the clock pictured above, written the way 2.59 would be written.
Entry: 3.59
